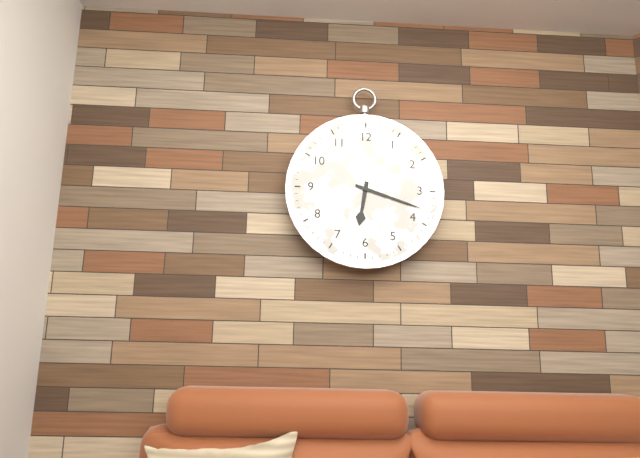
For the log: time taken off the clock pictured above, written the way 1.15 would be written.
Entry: 6.18
